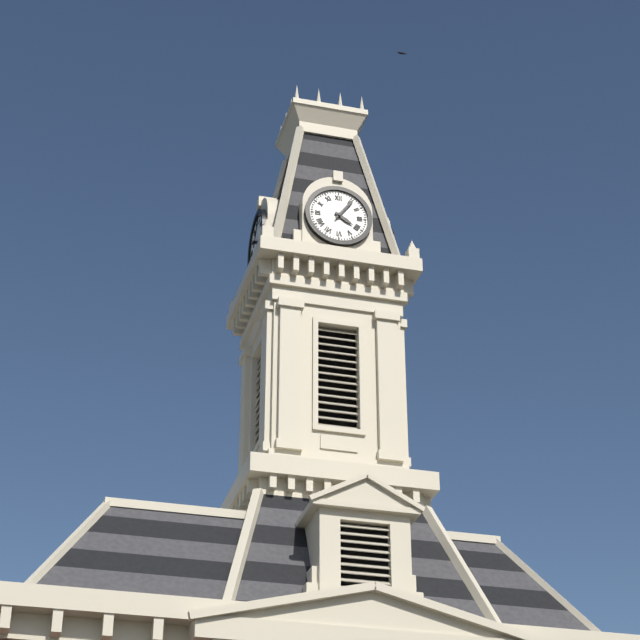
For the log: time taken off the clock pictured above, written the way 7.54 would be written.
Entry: 4.06
